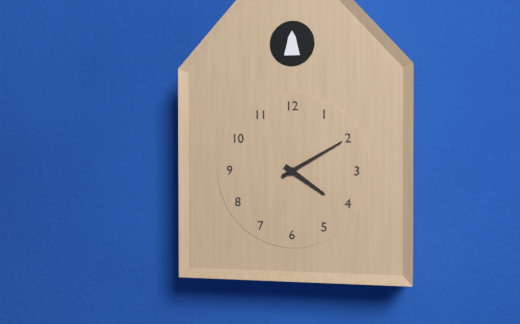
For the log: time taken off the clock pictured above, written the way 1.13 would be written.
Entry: 4.10
